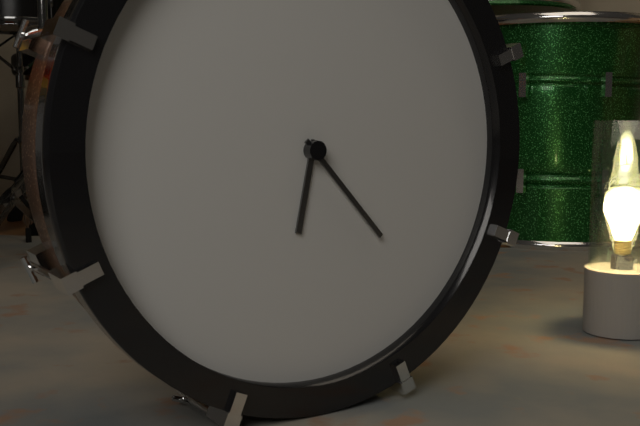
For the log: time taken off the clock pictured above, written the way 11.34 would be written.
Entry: 6.23
